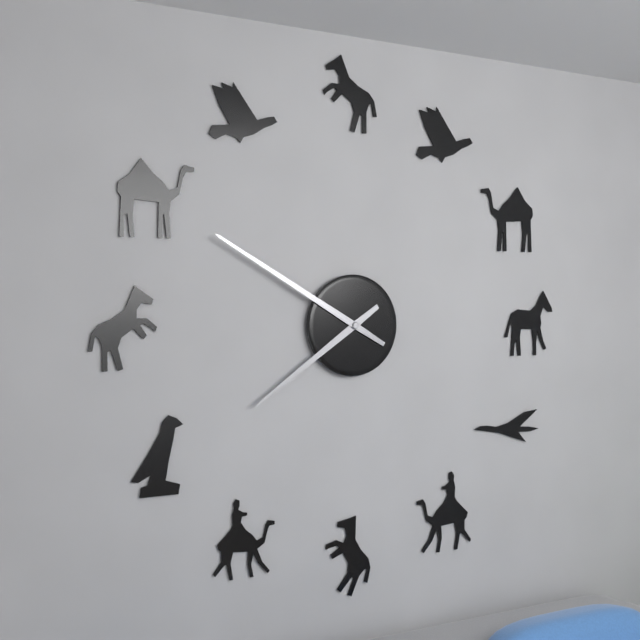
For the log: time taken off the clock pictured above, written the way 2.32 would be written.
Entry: 7.50
